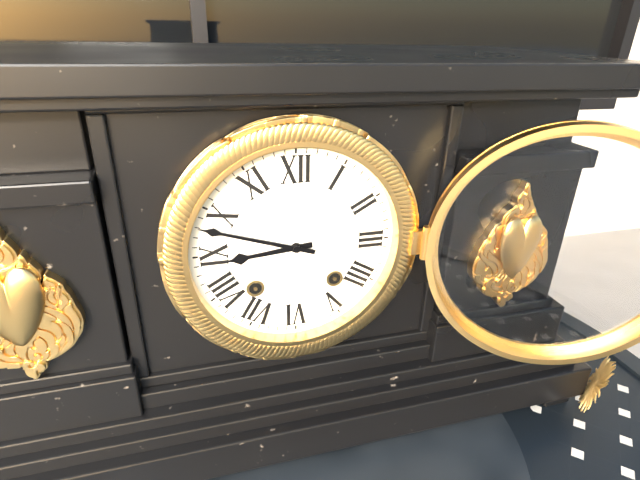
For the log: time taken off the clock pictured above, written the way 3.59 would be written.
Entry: 8.48
